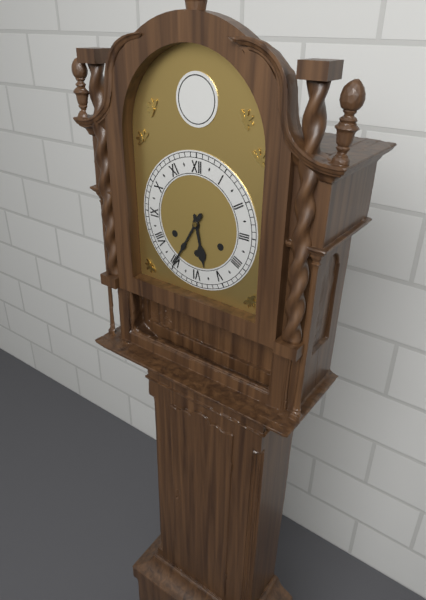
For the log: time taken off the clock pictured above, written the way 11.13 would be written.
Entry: 5.35
